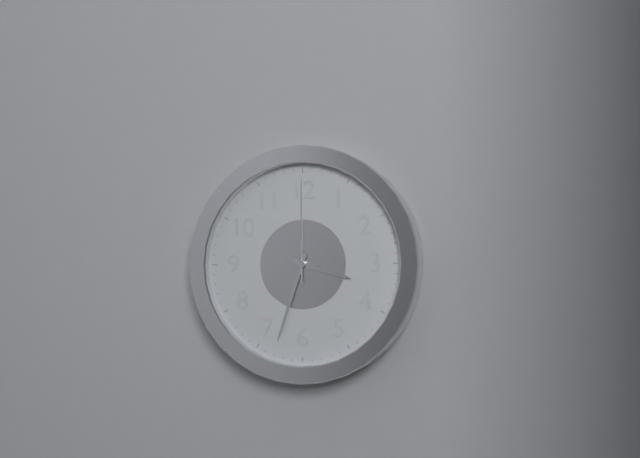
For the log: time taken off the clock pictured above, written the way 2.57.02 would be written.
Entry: 3.33.00
